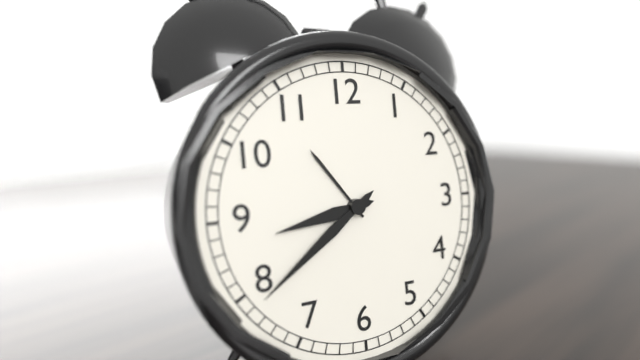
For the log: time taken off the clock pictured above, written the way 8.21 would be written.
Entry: 8.39
